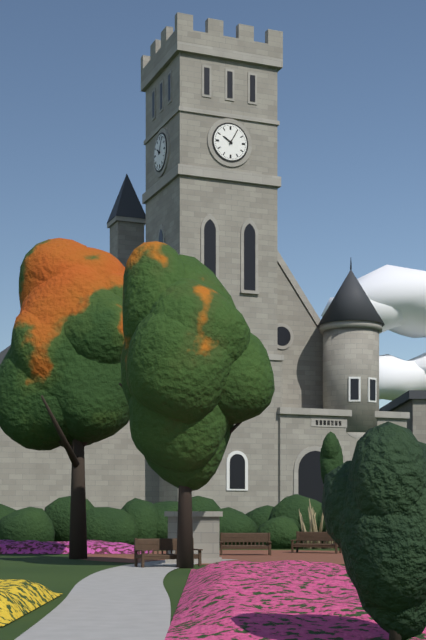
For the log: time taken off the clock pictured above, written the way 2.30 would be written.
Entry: 10.05
